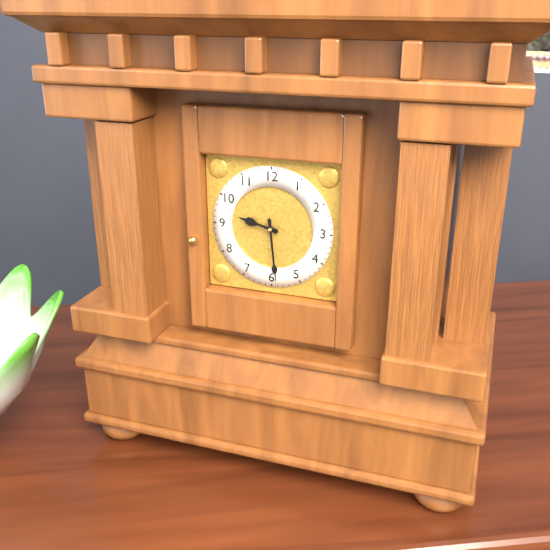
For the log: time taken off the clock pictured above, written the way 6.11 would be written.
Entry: 9.29
